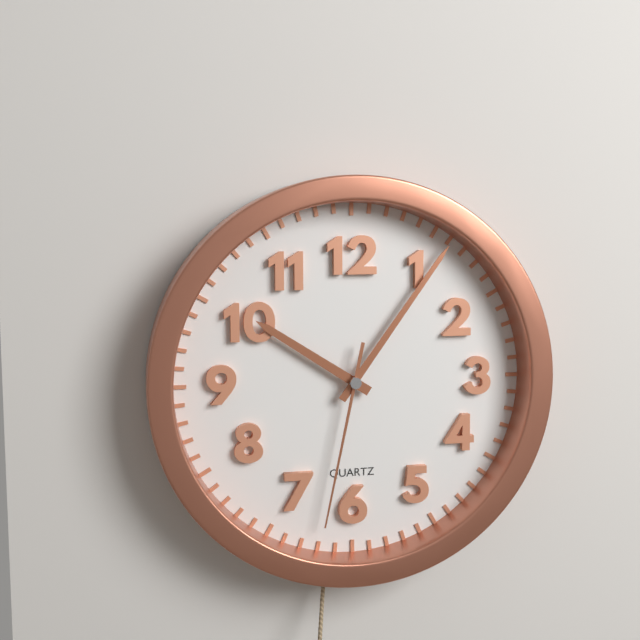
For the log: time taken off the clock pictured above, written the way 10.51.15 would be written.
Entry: 10.06.32
